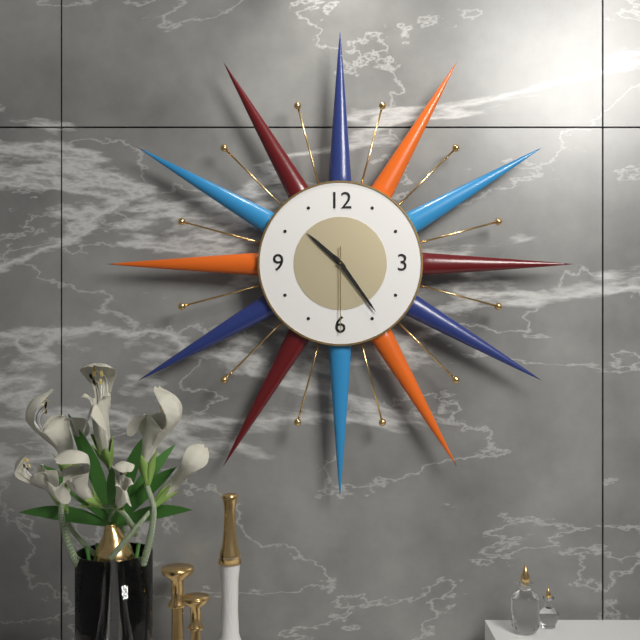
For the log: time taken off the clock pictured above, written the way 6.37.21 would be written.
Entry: 10.24.30
